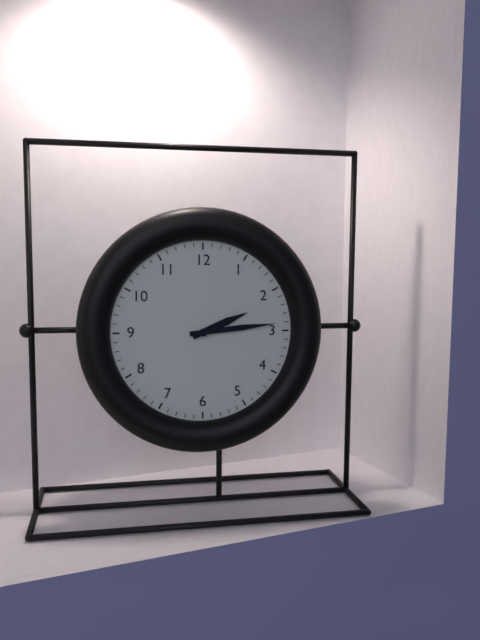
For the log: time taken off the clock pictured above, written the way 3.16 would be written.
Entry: 2.14
